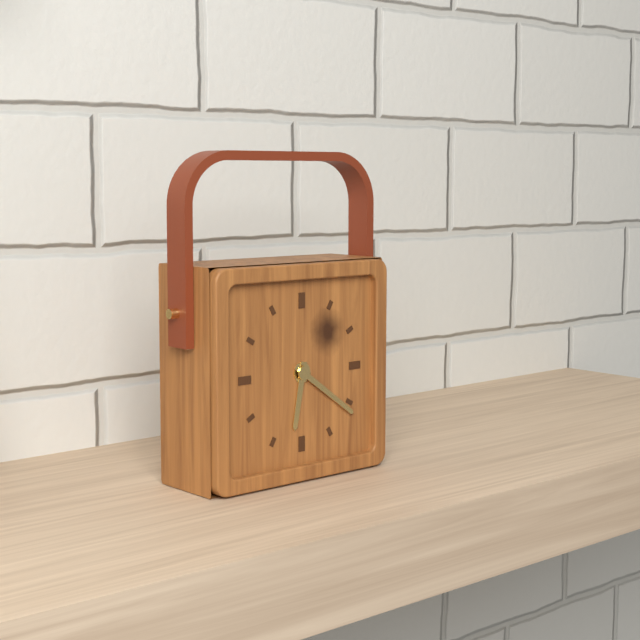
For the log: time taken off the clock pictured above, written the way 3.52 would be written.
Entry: 6.21
